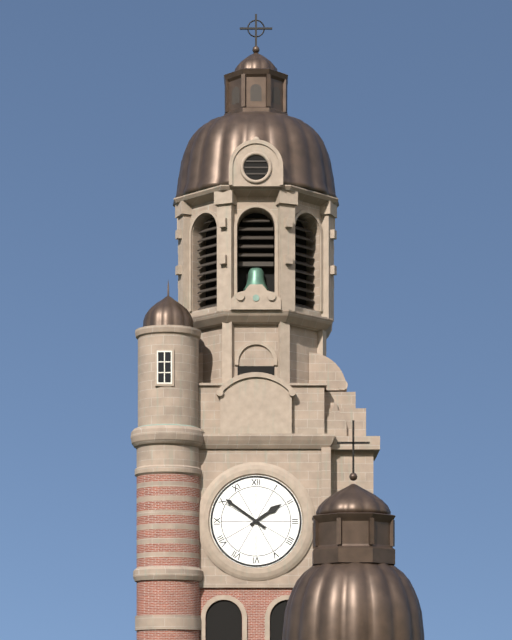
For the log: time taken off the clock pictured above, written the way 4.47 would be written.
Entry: 1.51
